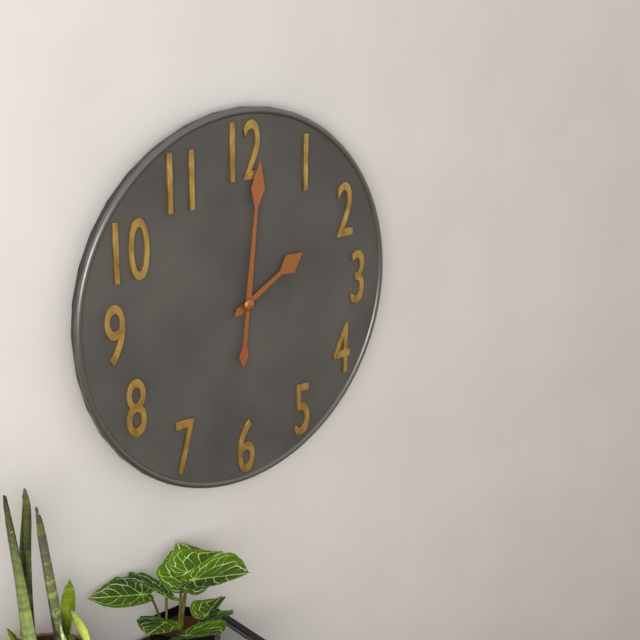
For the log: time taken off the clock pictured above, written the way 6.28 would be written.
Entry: 2.01
